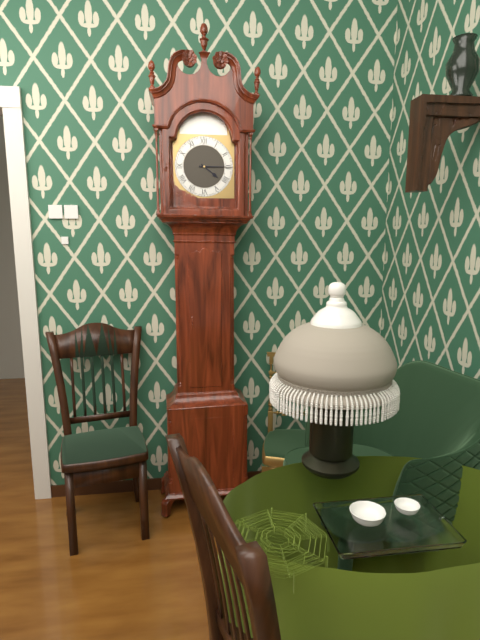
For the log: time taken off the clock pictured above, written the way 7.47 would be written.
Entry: 4.15
